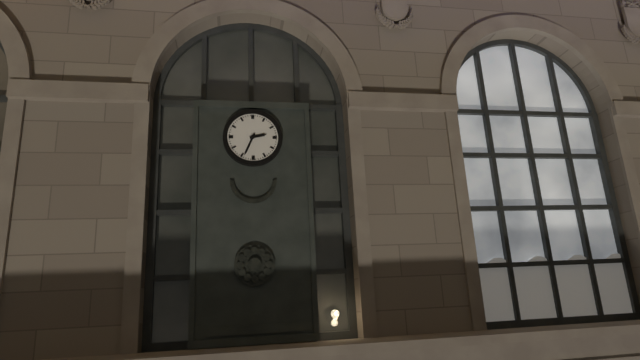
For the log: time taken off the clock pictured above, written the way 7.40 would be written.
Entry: 2.34
